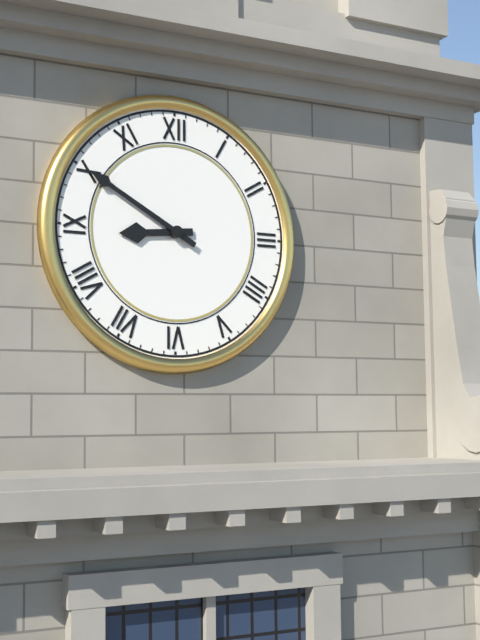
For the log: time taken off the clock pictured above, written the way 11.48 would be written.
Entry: 8.50
